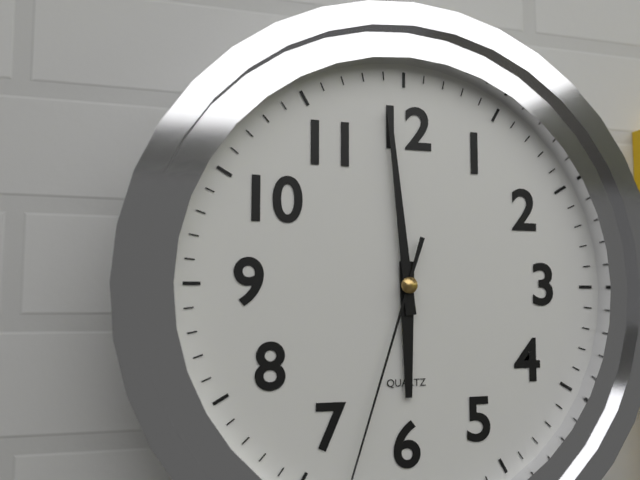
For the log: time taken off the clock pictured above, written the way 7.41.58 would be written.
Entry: 5.59.33
